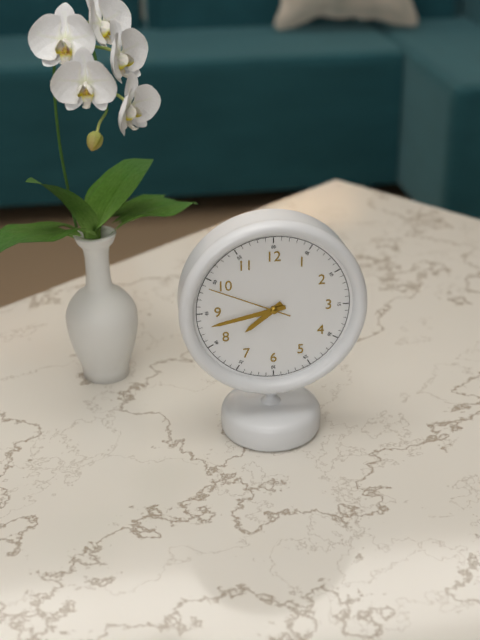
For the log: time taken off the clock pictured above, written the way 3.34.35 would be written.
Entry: 7.43.49
